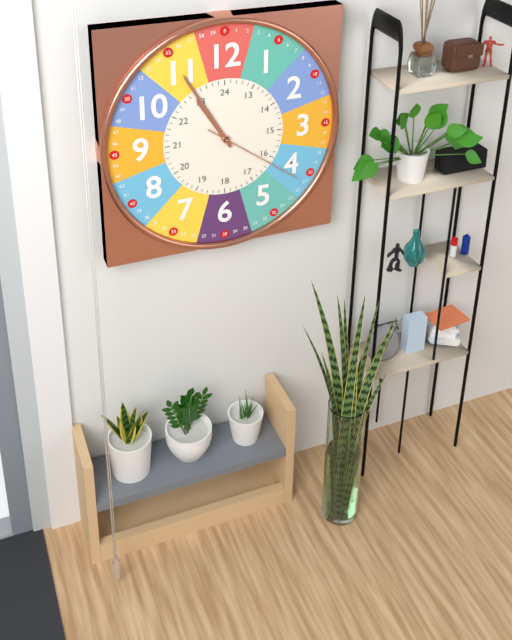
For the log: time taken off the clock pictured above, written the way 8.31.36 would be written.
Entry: 10.55.21
